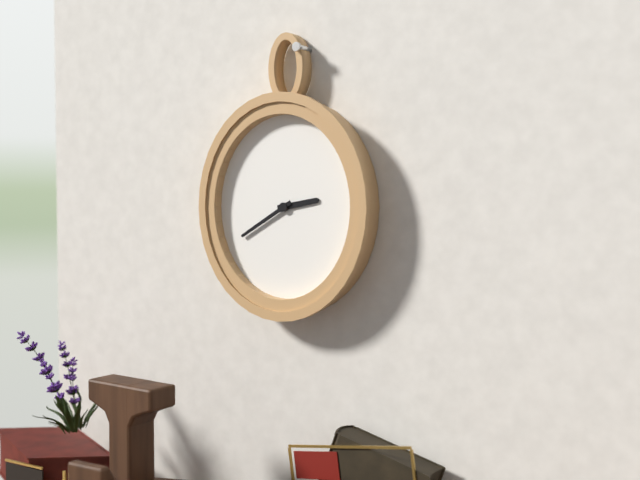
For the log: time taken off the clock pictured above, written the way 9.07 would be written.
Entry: 2.40
